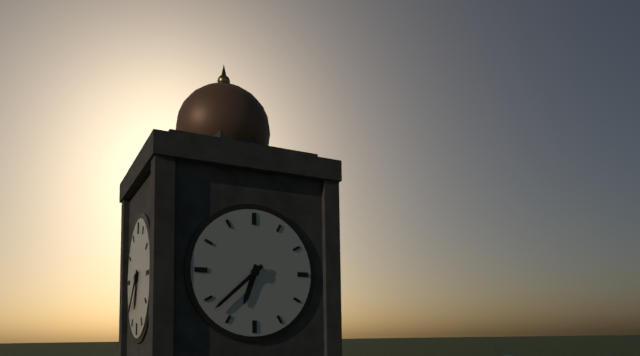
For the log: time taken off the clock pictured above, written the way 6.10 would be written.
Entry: 6.38
